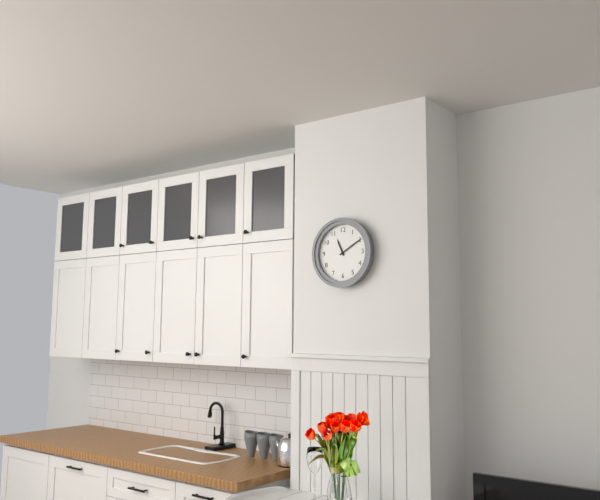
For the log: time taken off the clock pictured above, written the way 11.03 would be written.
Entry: 11.10
